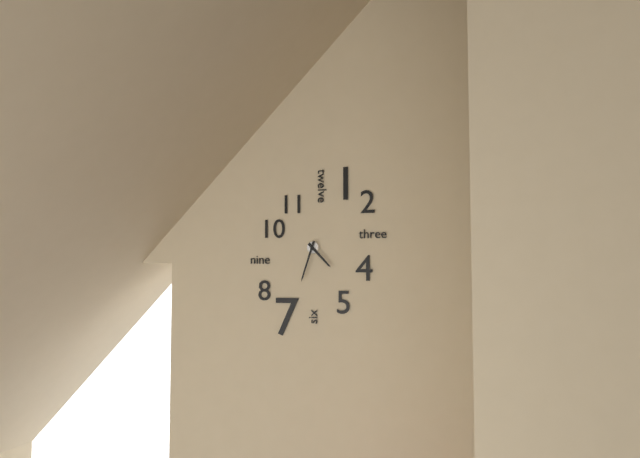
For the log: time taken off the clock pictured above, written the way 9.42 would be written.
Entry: 4.33
